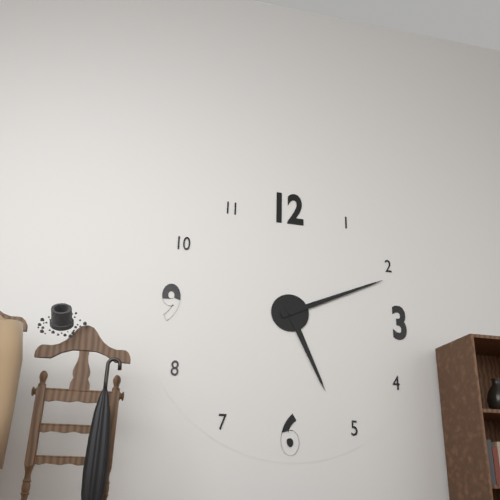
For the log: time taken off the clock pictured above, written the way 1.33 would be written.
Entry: 5.11
